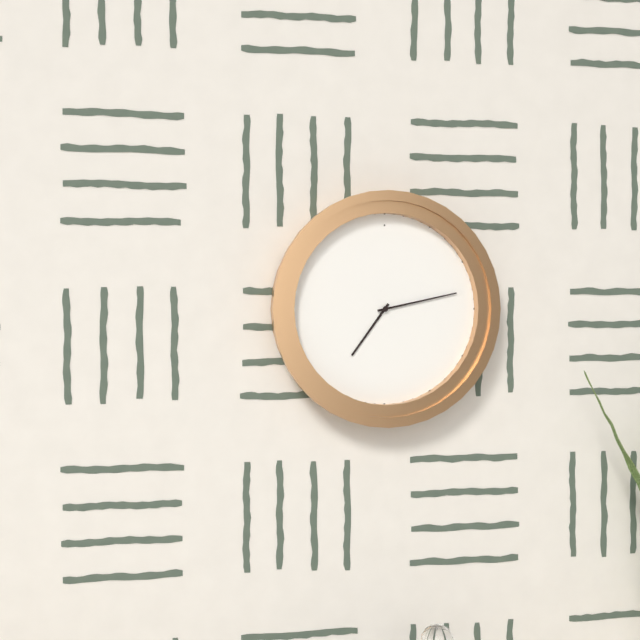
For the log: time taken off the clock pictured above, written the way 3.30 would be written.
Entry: 7.13
